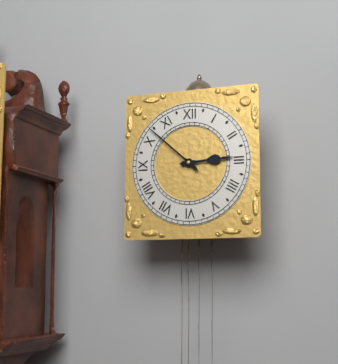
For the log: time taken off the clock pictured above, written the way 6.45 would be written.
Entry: 2.52
